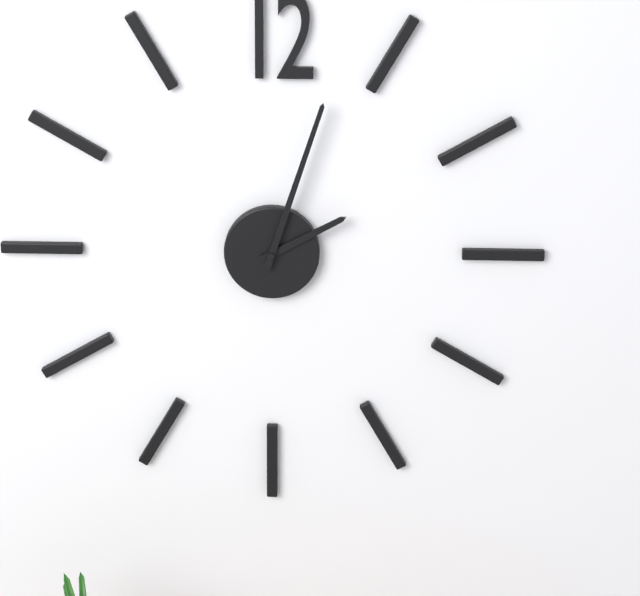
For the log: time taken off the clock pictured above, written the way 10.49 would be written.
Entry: 2.03
